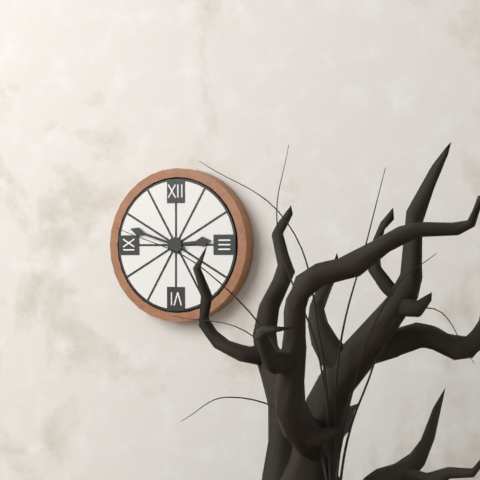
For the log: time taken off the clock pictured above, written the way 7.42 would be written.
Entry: 2.48
